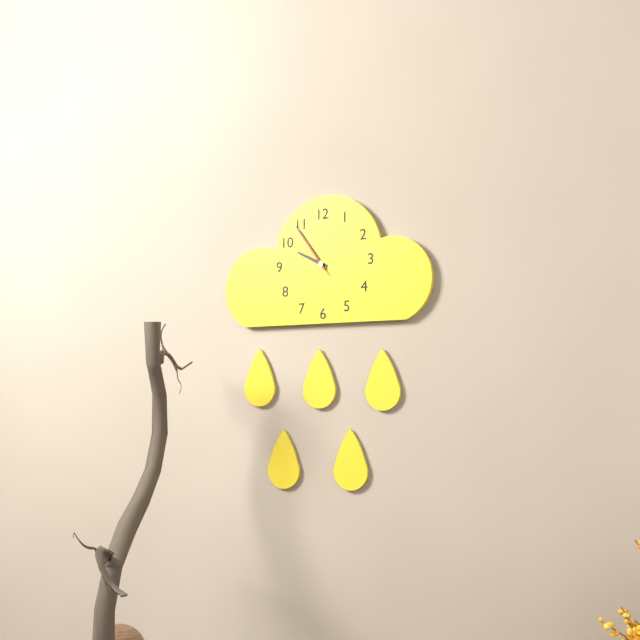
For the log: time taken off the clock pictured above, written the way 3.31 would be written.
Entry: 9.54
